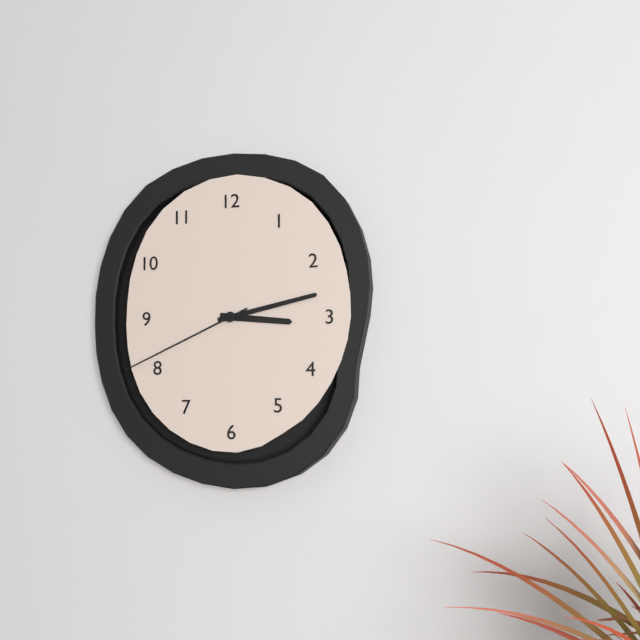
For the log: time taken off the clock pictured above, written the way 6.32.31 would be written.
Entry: 3.13.41
